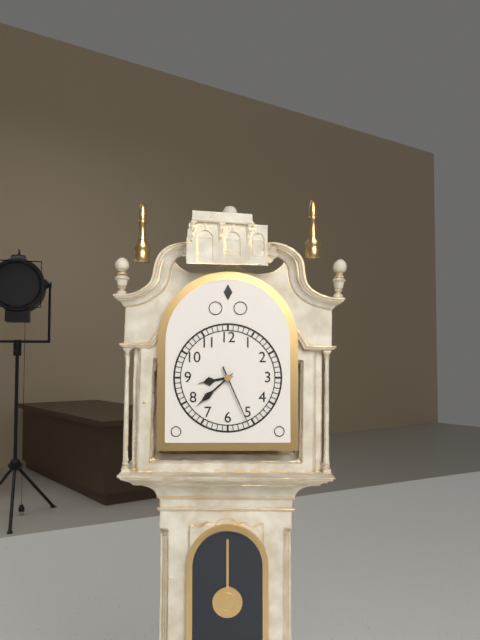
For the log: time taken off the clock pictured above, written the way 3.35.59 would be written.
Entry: 8.38.26
